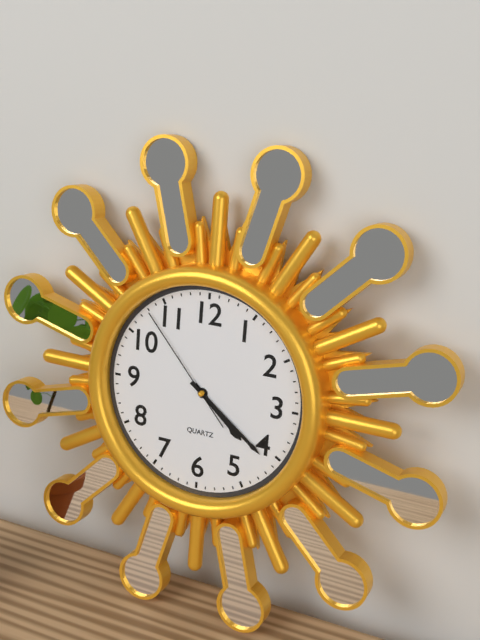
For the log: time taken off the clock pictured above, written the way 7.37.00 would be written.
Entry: 4.21.53
